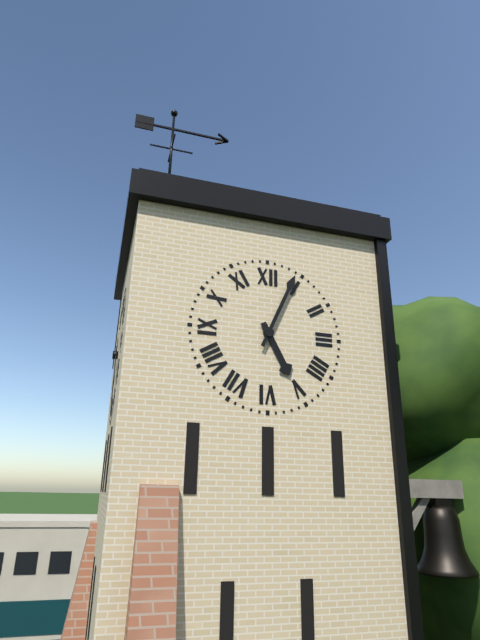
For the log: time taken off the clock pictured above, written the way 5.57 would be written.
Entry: 5.04
